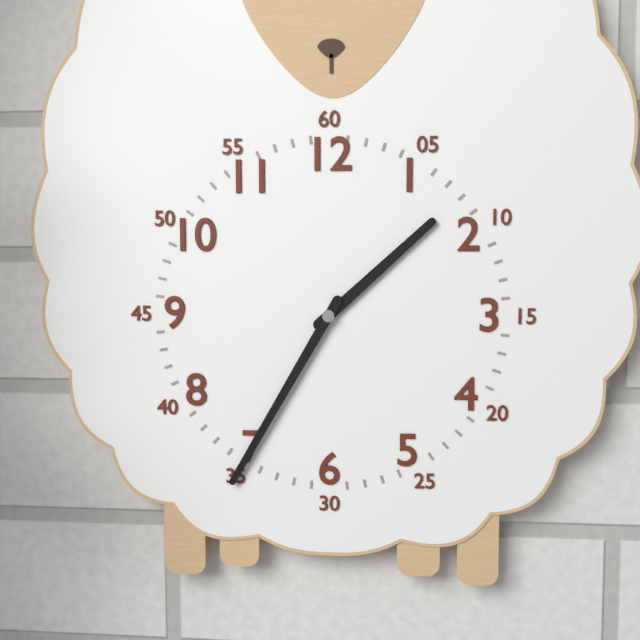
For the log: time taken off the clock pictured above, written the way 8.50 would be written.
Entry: 1.35
